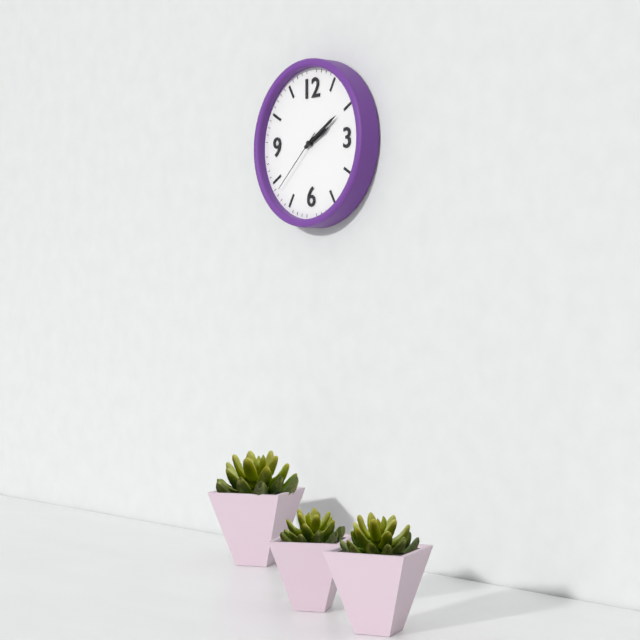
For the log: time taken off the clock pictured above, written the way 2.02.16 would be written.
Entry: 2.10.38
